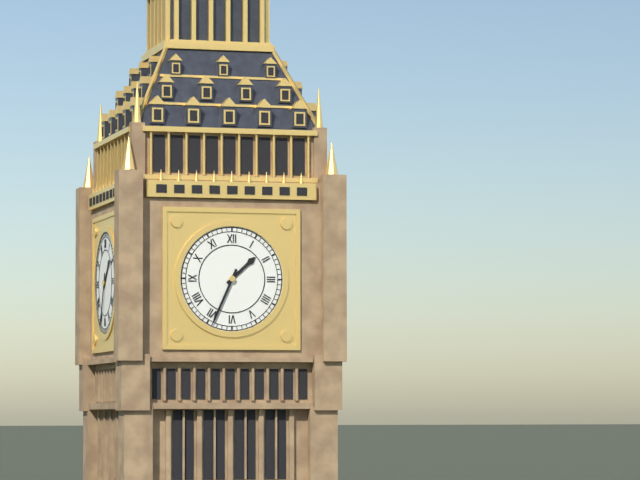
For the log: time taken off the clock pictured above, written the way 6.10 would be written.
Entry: 1.34
